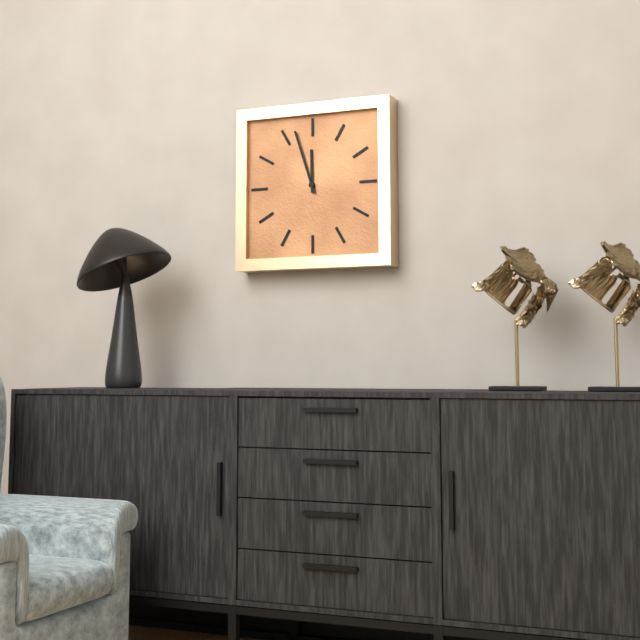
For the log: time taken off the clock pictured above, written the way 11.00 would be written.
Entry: 11.57
